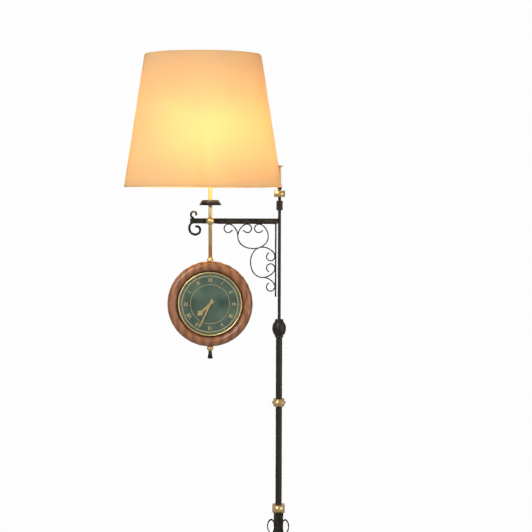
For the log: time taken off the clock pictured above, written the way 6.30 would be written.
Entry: 7.34
